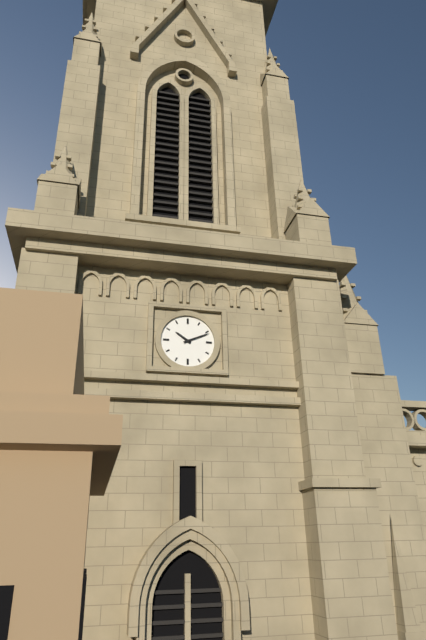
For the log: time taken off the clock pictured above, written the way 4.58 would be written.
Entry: 10.11
